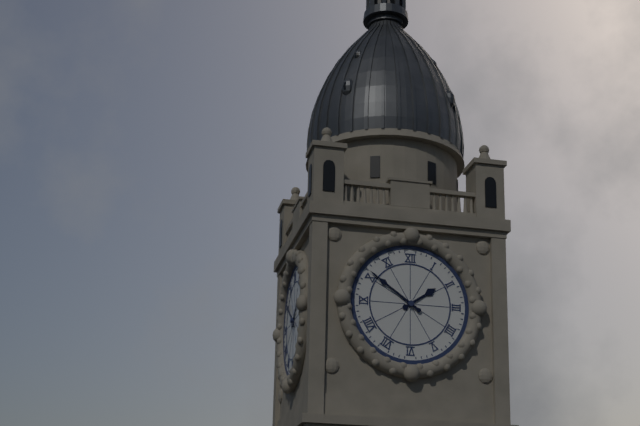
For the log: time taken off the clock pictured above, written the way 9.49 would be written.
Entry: 1.51
